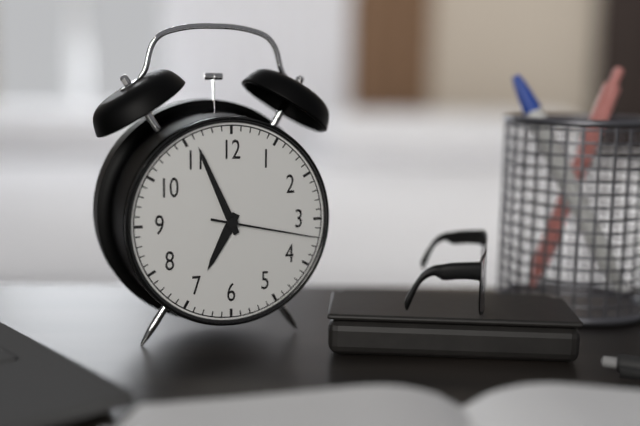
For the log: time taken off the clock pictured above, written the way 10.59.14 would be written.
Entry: 6.56.17
